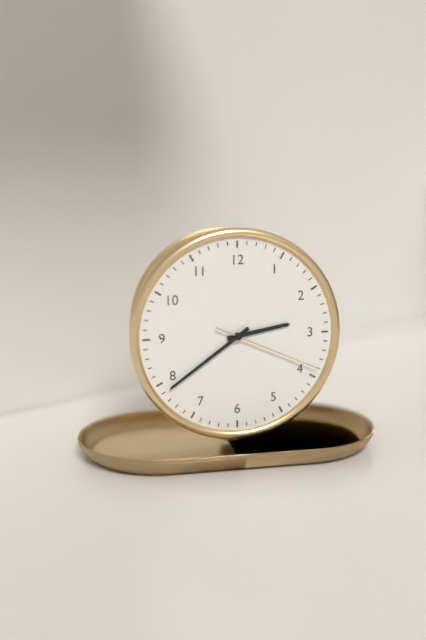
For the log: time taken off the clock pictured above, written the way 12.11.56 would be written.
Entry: 2.39.19
